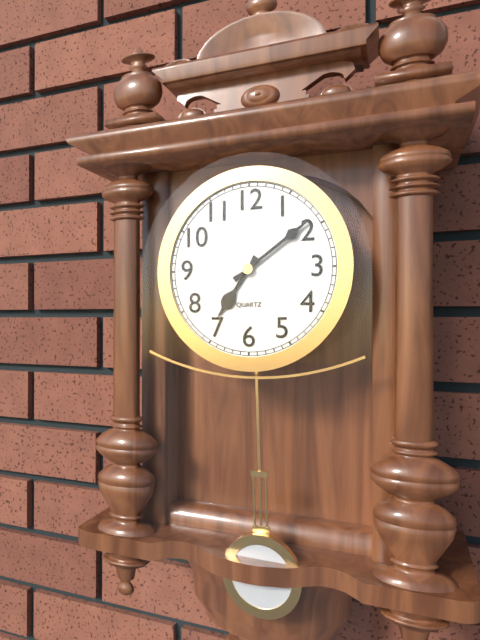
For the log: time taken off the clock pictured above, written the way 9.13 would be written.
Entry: 7.09
